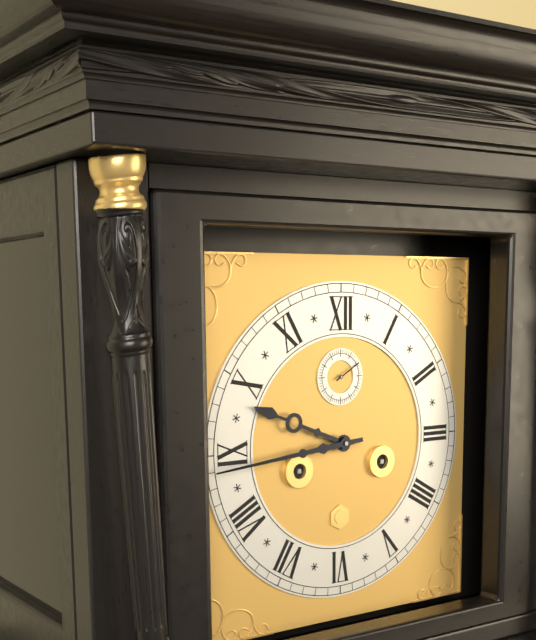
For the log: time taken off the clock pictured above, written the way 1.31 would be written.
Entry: 9.44
